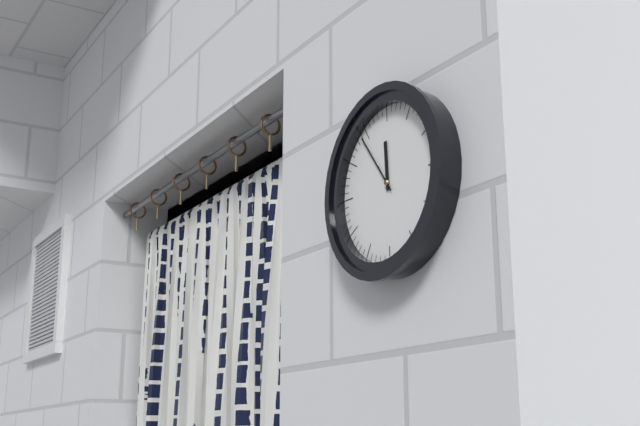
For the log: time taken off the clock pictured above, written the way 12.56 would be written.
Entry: 11.54
